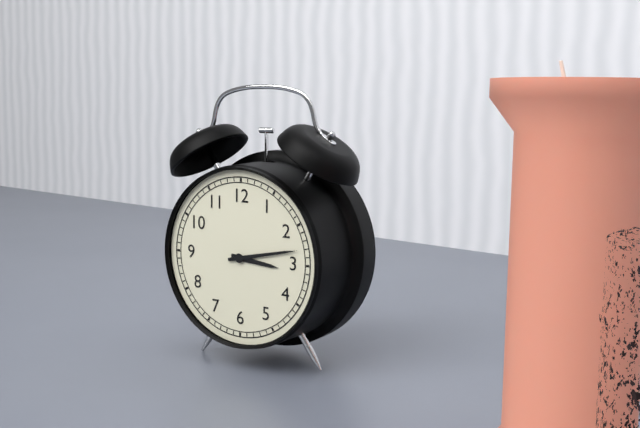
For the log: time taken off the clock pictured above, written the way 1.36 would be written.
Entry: 3.13
